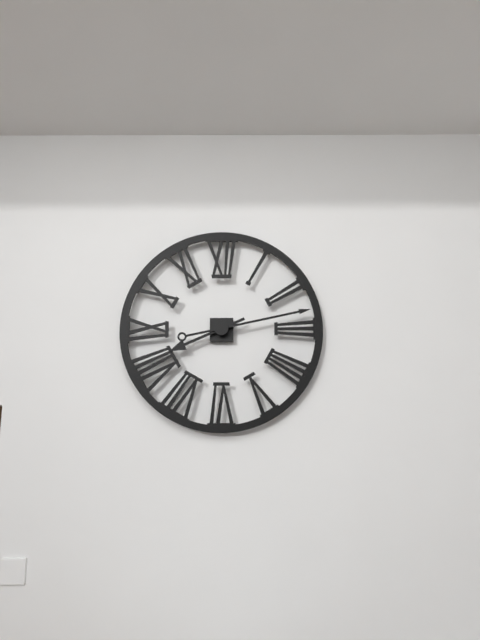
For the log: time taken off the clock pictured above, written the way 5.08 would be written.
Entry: 8.13
